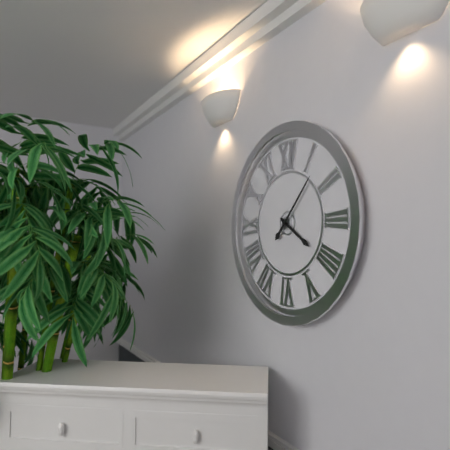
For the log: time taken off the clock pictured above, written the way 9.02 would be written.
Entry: 4.07
